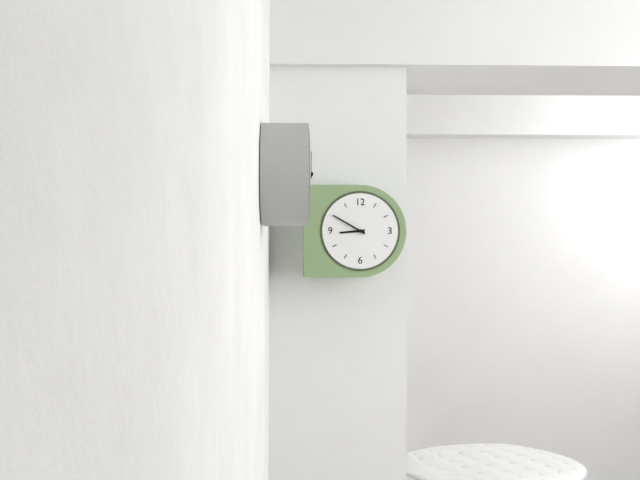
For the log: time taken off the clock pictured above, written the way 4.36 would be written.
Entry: 8.50
